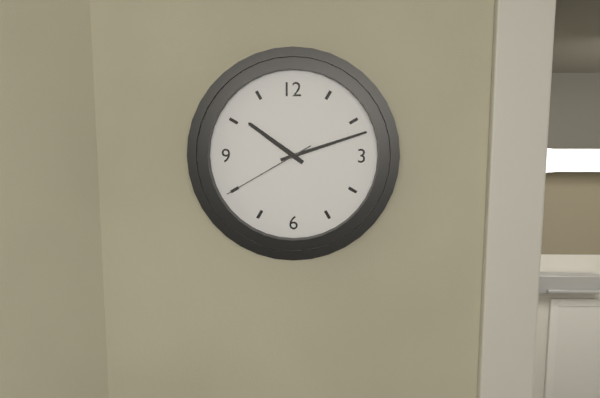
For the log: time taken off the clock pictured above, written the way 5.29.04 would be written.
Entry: 10.12.40
